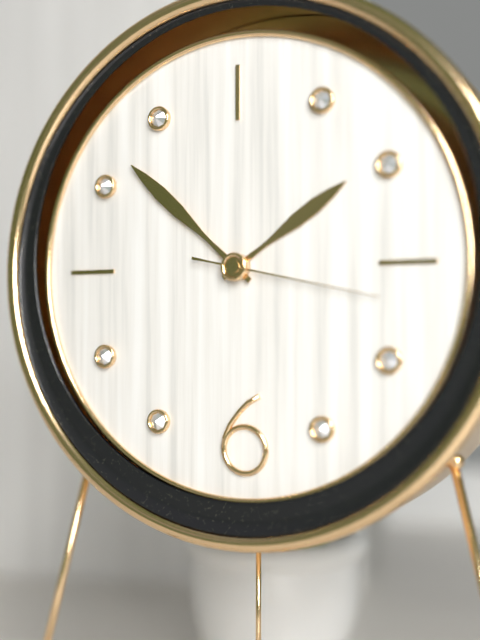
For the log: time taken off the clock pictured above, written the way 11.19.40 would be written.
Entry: 1.52.17
